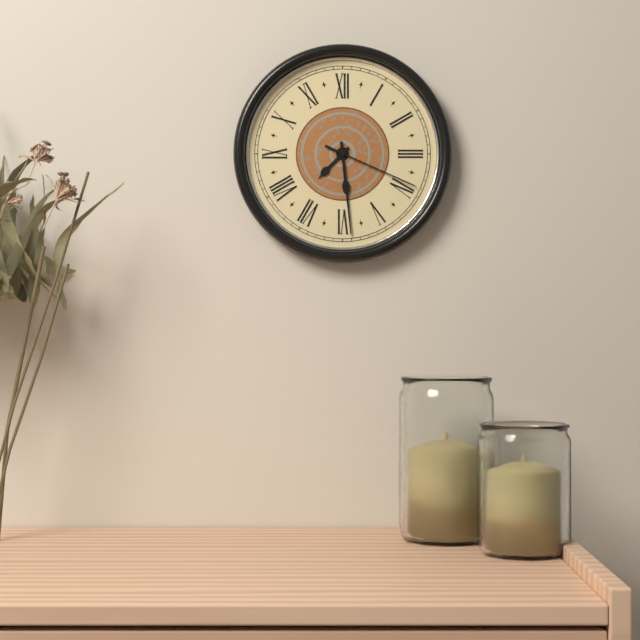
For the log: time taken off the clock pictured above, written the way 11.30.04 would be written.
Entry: 7.29.19
